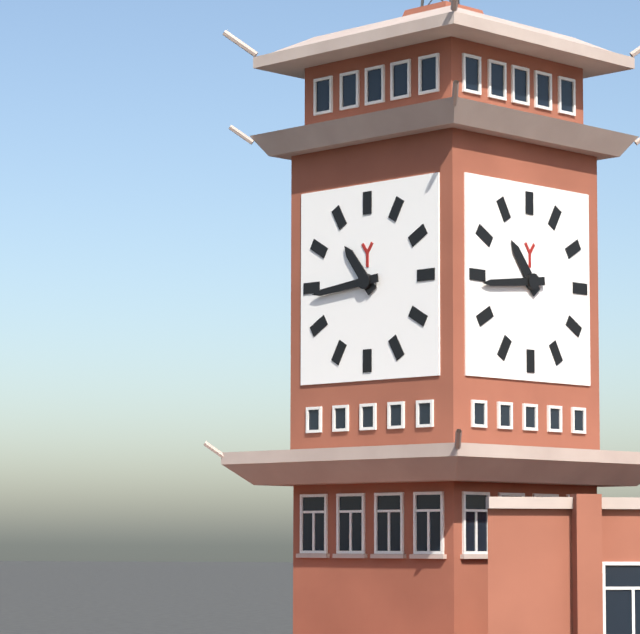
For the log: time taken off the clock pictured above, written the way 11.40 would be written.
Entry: 10.44
